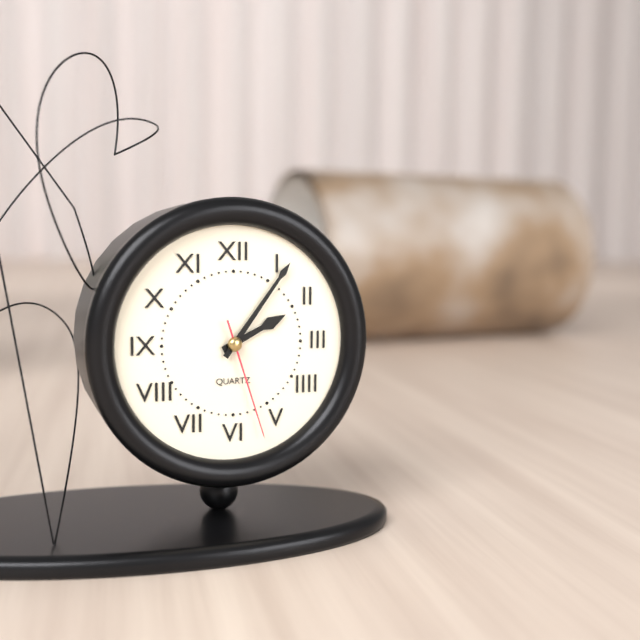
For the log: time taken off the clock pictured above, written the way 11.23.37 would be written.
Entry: 2.06.27
